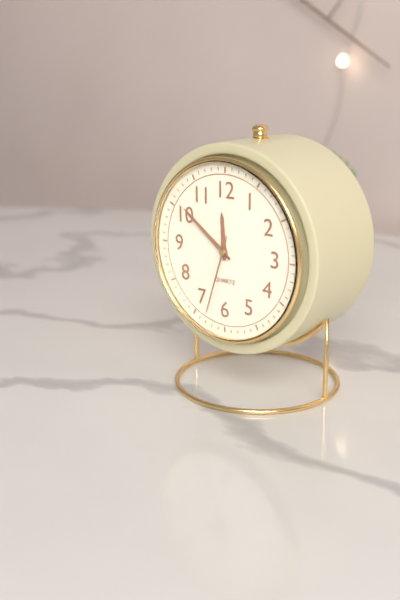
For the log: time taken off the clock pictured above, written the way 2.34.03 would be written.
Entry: 11.51.33
